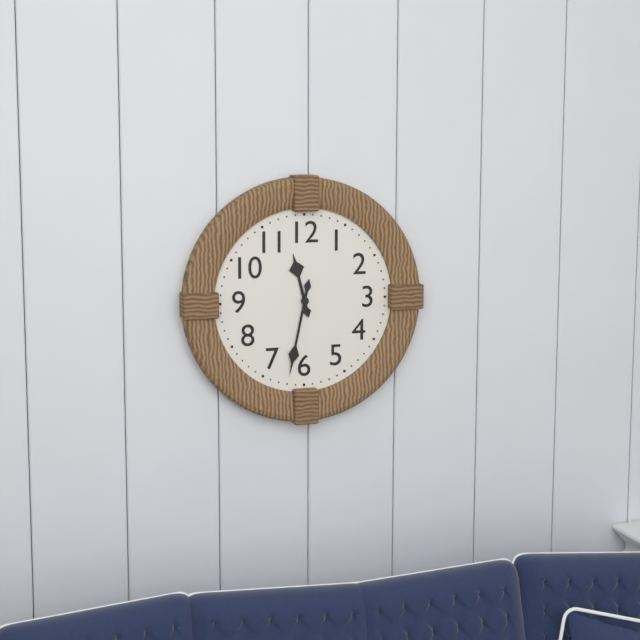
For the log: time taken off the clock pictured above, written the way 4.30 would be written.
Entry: 11.32
